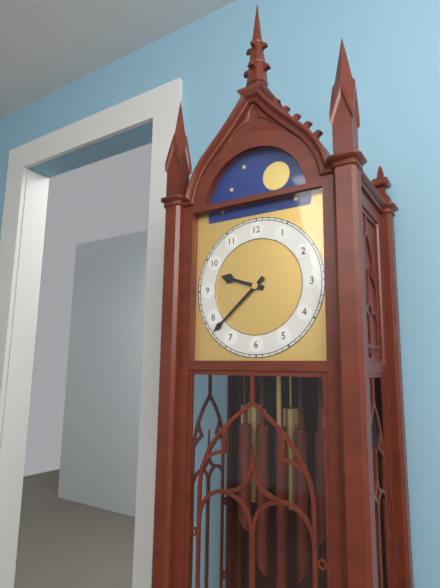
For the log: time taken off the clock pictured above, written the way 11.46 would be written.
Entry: 9.38
